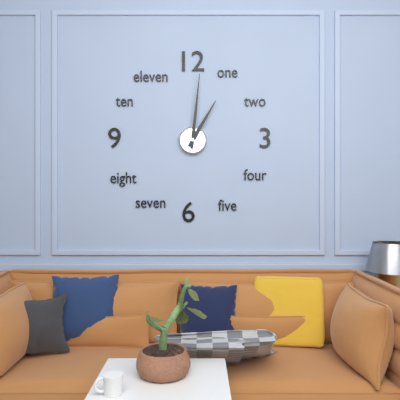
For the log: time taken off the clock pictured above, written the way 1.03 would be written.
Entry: 1.01
